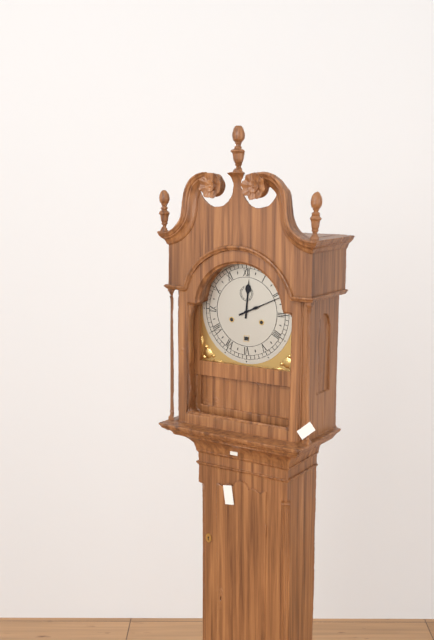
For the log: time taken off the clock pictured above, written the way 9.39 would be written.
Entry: 12.11
